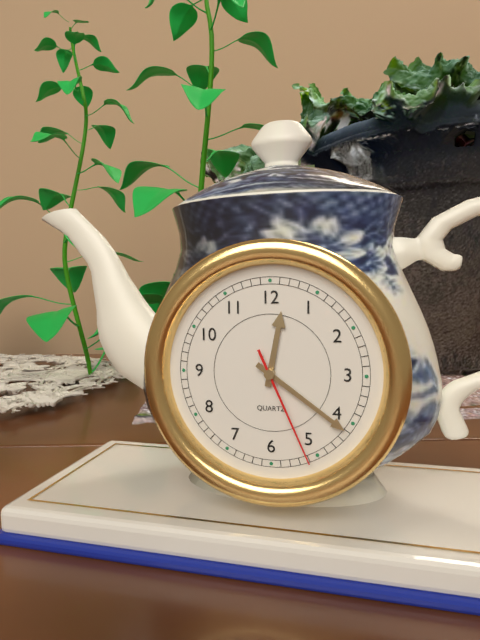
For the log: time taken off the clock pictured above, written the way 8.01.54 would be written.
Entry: 12.21.26
